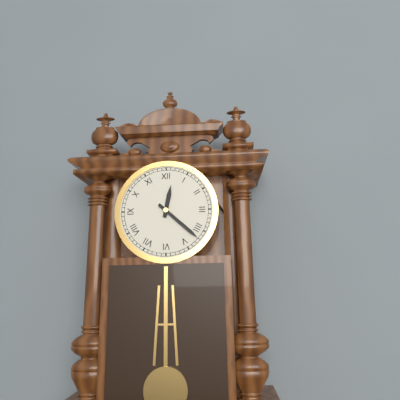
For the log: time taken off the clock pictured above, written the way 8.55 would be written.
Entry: 12.22
